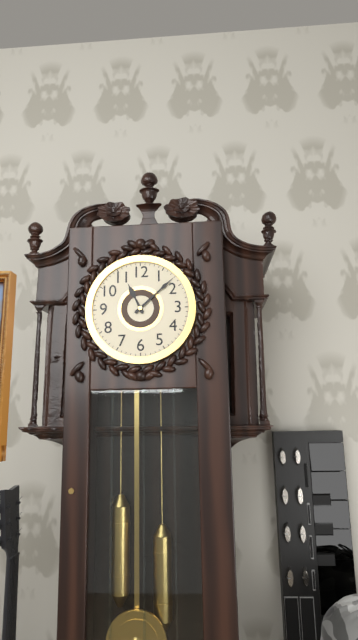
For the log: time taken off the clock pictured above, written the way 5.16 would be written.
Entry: 11.08
